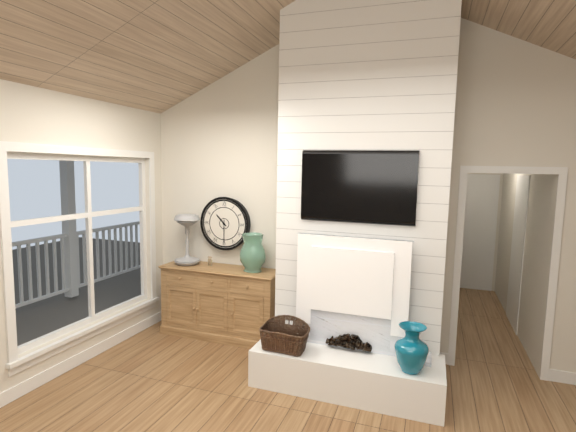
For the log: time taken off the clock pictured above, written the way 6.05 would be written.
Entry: 10.30
